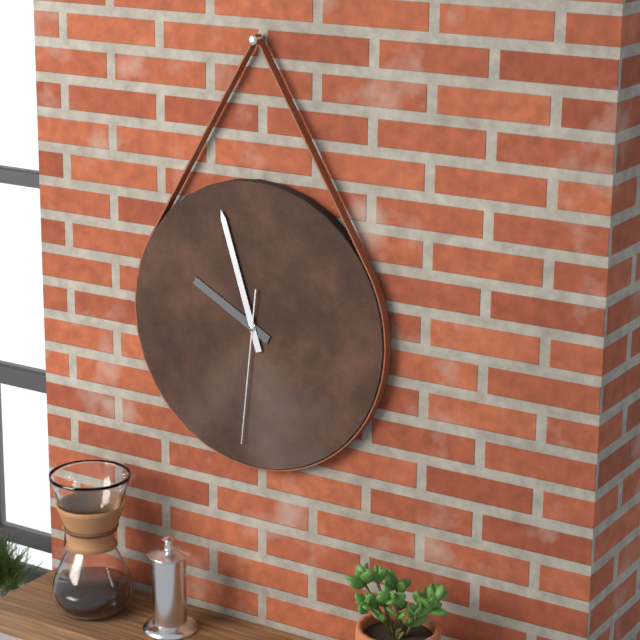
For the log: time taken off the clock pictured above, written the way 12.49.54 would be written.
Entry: 9.57.31
